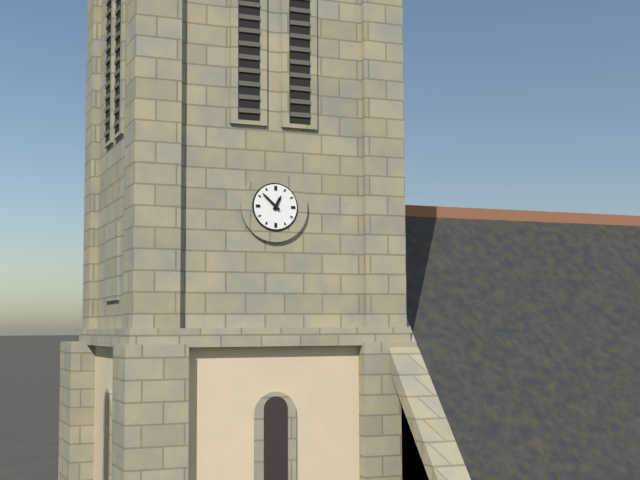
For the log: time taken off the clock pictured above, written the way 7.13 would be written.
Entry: 12.52
